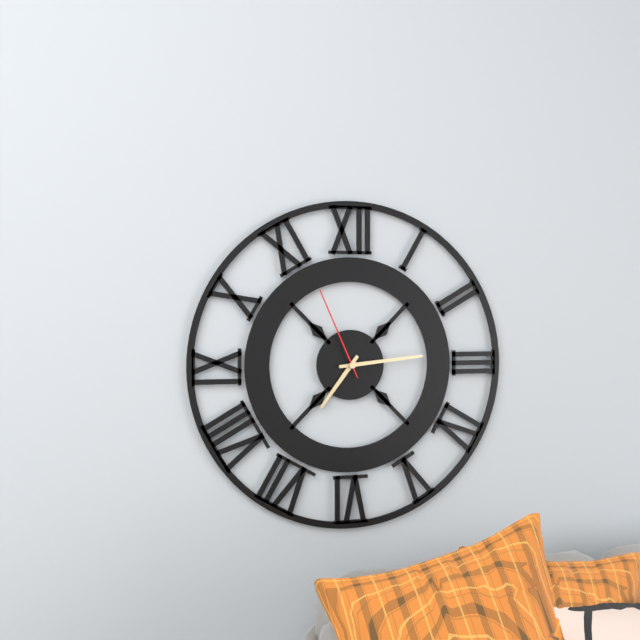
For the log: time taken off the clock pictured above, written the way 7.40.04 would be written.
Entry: 7.14.56
